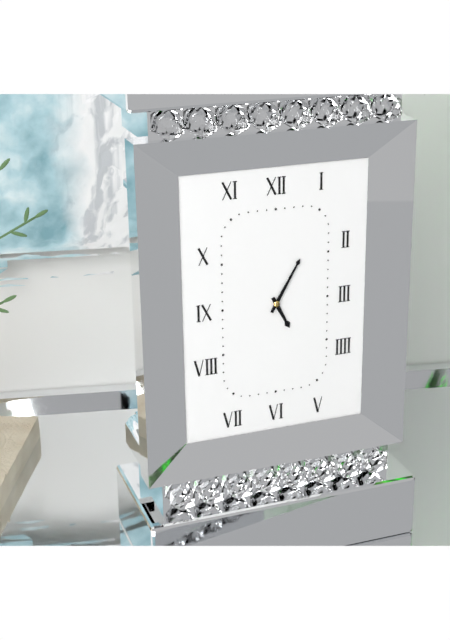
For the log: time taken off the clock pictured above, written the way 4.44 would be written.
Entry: 5.05
